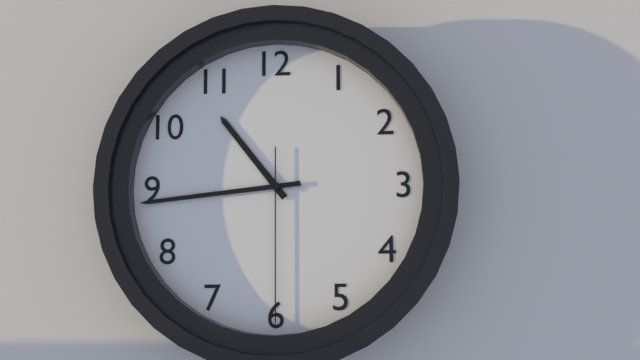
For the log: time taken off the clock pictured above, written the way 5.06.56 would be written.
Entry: 10.44.30
